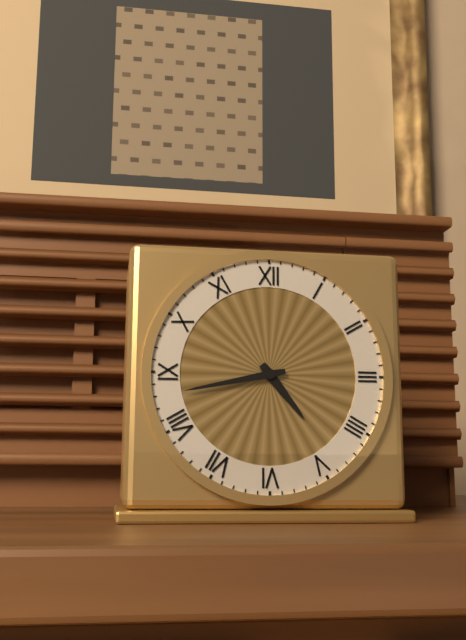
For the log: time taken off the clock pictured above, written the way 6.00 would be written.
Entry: 4.43
